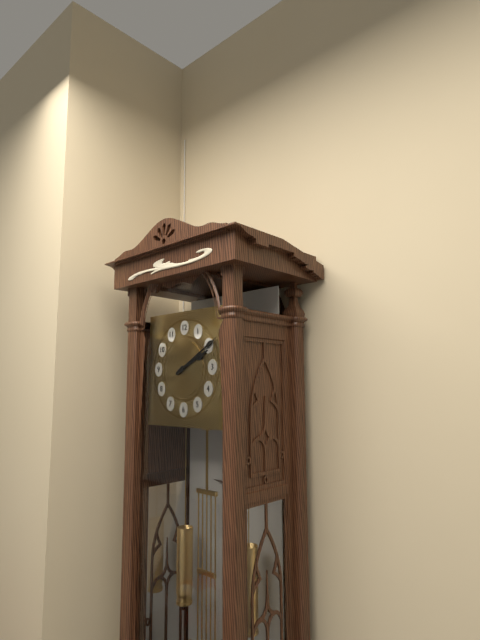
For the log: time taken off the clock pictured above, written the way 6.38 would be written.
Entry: 2.10
